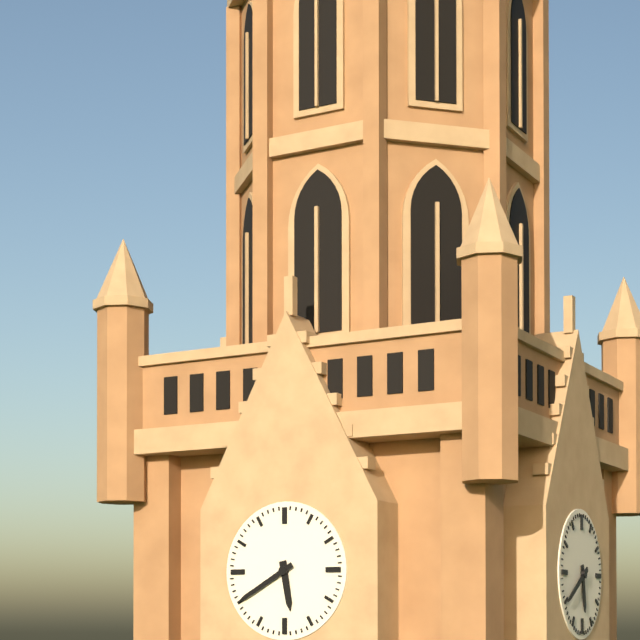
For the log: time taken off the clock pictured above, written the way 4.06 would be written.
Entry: 5.40
